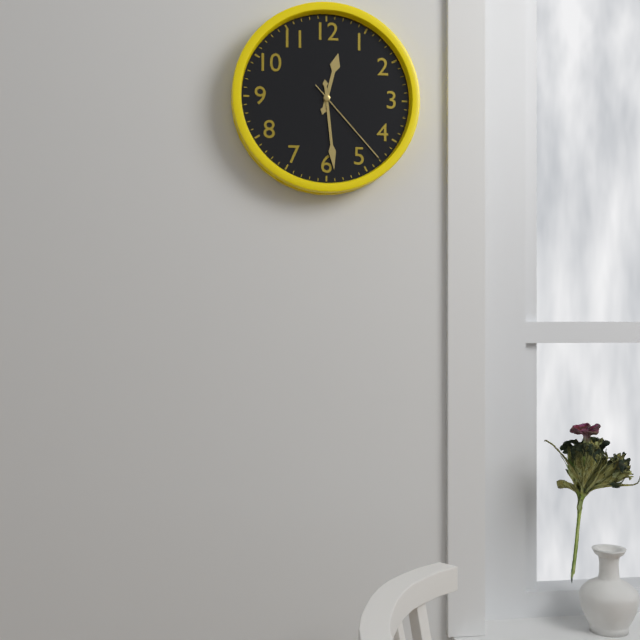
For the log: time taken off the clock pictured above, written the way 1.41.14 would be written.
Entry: 12.29.23
